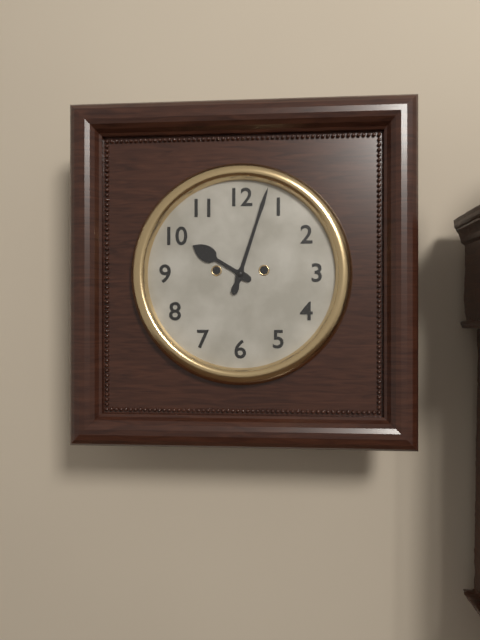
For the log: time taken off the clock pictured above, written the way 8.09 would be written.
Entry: 10.03
